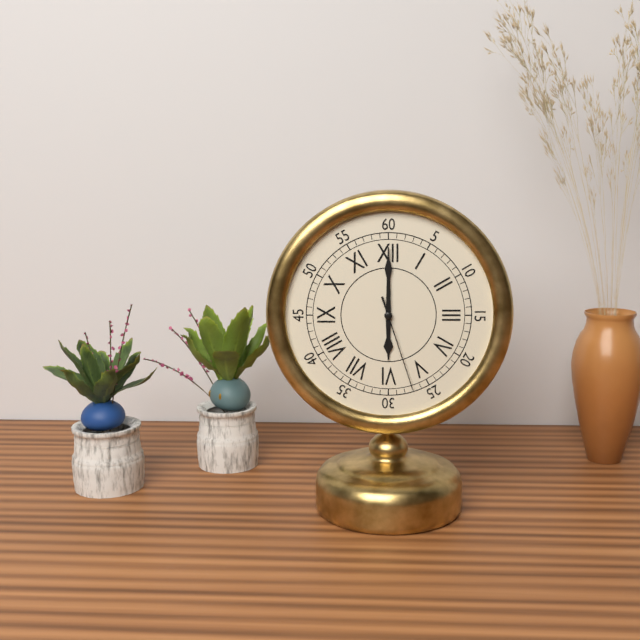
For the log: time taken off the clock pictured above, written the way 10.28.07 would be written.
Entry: 6.00.27
